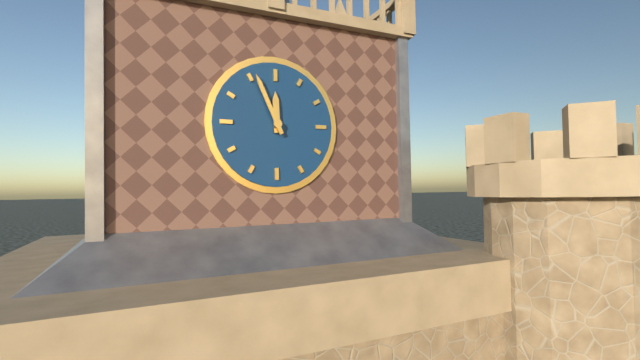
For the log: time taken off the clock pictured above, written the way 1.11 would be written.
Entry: 11.56
